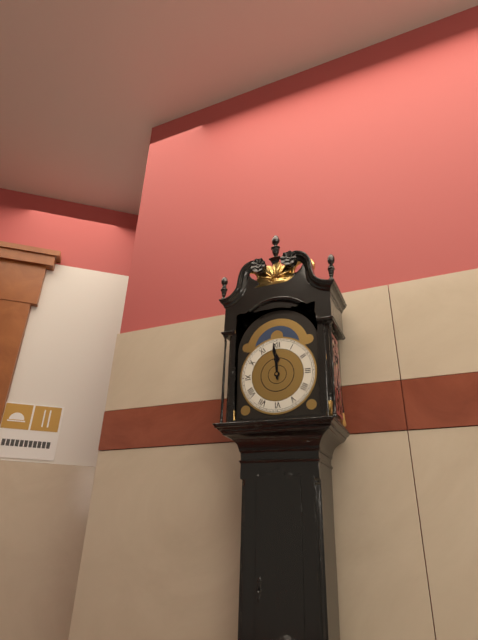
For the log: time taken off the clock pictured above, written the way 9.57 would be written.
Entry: 11.59
